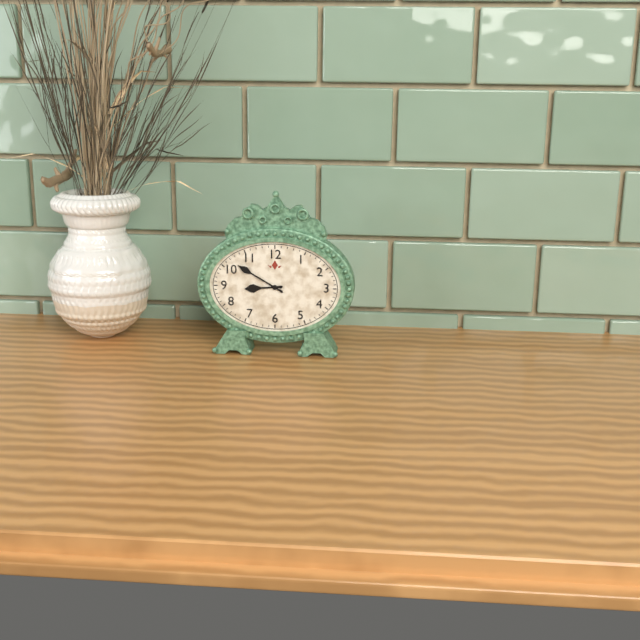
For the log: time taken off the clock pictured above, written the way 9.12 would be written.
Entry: 8.50
